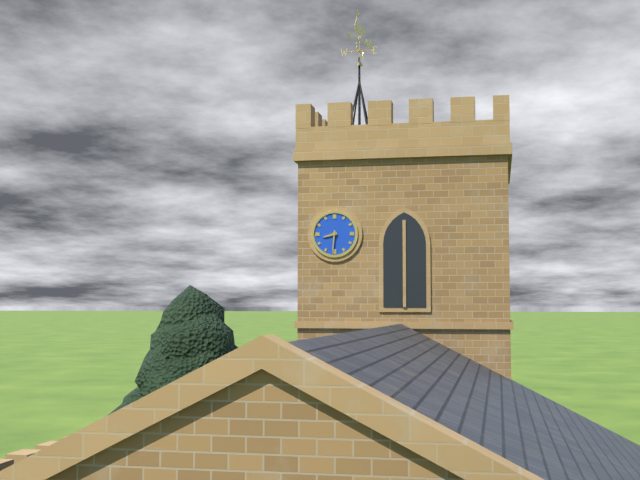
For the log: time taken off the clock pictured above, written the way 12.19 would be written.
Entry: 8.31
